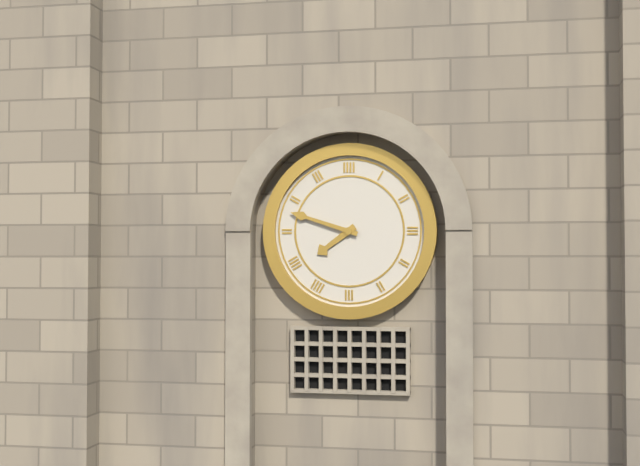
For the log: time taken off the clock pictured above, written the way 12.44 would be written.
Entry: 7.48
